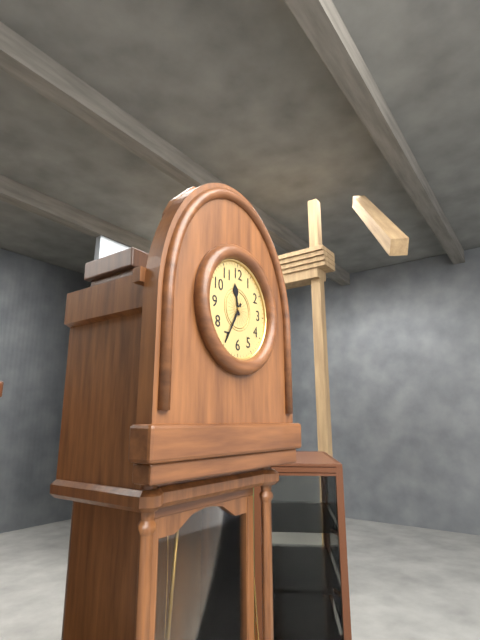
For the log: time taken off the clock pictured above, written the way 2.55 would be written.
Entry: 11.35
